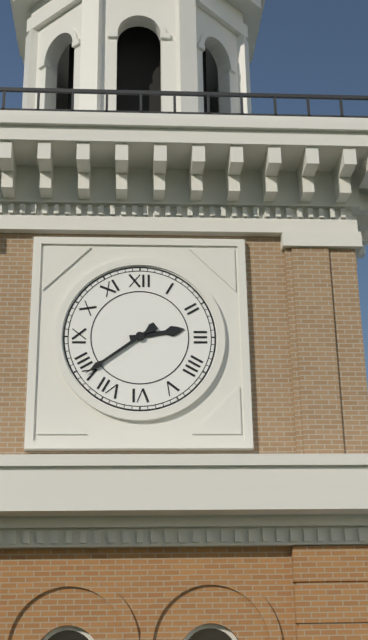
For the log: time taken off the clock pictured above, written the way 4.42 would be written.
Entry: 2.39
